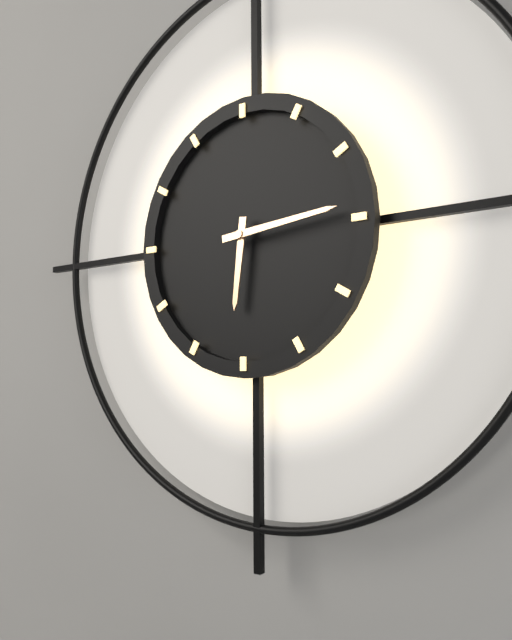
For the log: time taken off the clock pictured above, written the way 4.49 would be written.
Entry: 6.14
